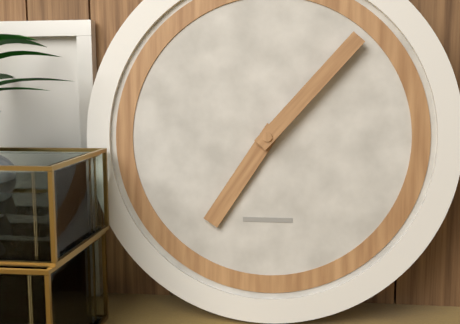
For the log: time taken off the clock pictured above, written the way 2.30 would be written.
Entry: 7.07
